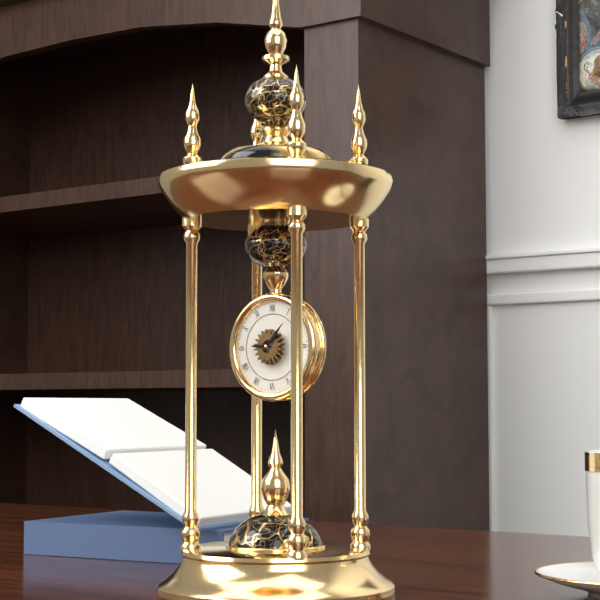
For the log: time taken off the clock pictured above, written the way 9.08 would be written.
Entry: 9.07
